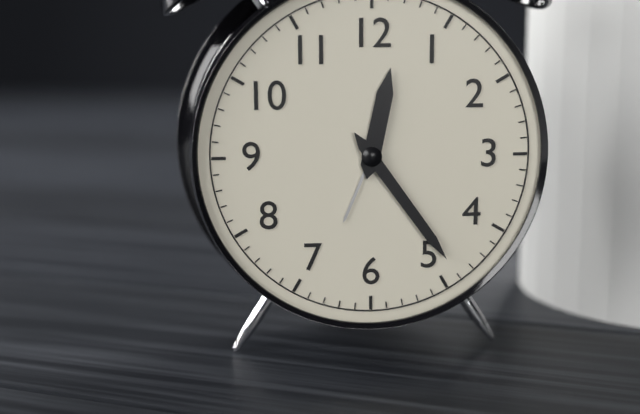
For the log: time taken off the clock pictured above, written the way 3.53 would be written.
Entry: 12.24
